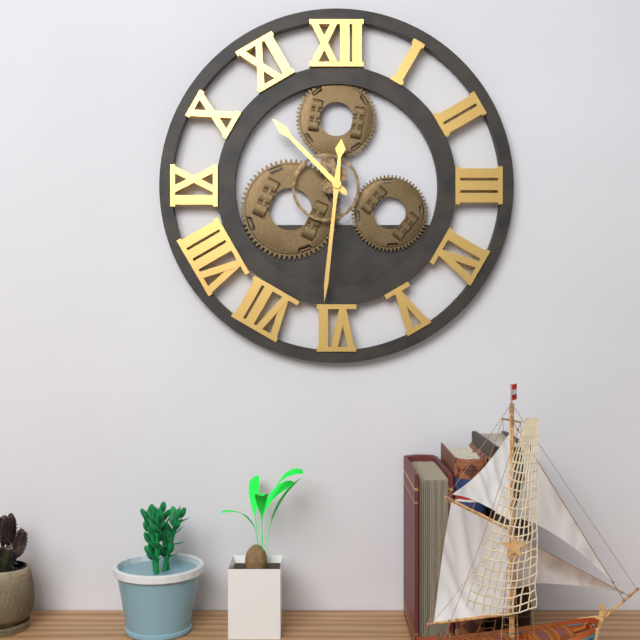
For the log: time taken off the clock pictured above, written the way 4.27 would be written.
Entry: 10.31
